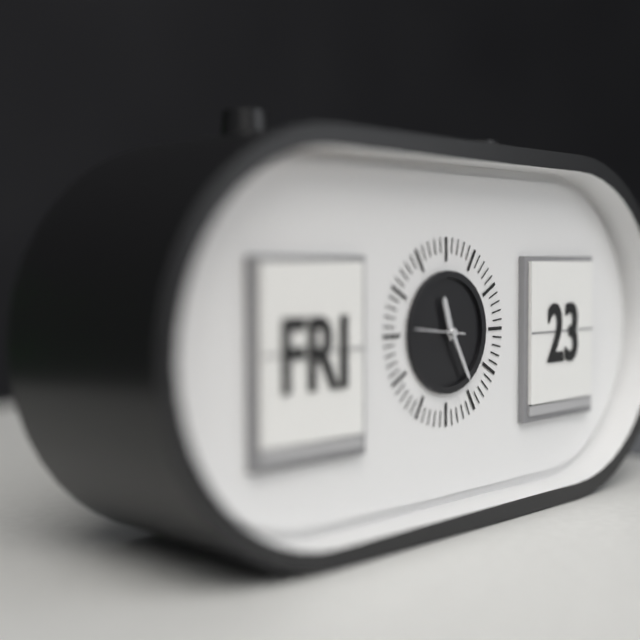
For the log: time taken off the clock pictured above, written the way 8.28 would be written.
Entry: 11.25
